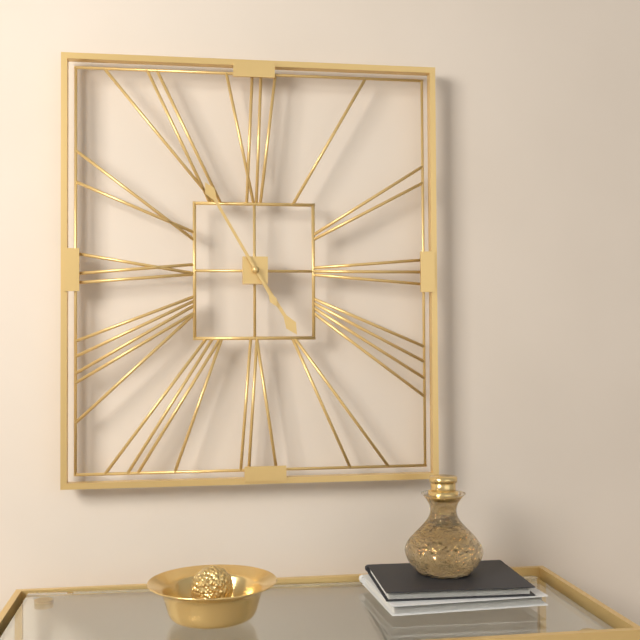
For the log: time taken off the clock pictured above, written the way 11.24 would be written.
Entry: 4.55
